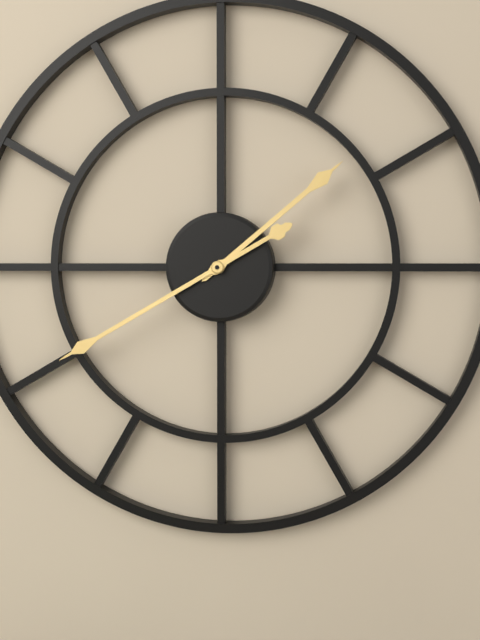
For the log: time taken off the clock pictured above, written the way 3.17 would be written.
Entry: 1.40
